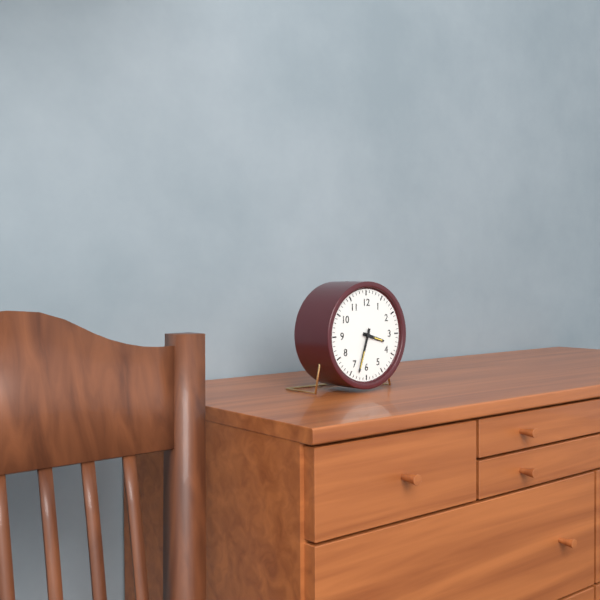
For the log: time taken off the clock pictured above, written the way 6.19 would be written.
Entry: 3.33
